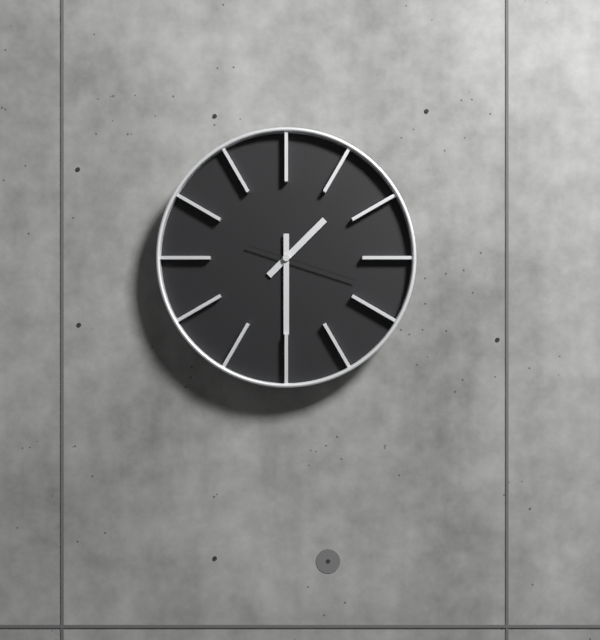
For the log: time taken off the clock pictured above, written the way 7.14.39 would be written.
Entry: 1.30.18
